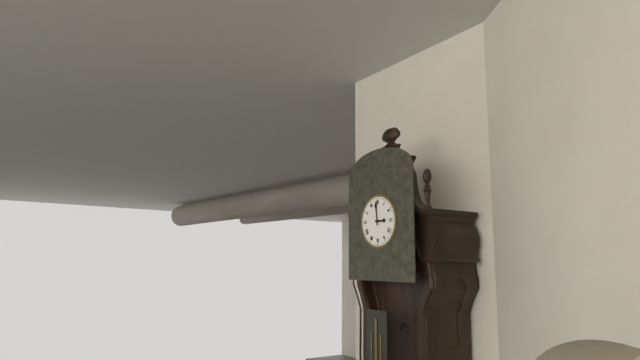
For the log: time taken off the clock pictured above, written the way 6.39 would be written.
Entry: 2.59
